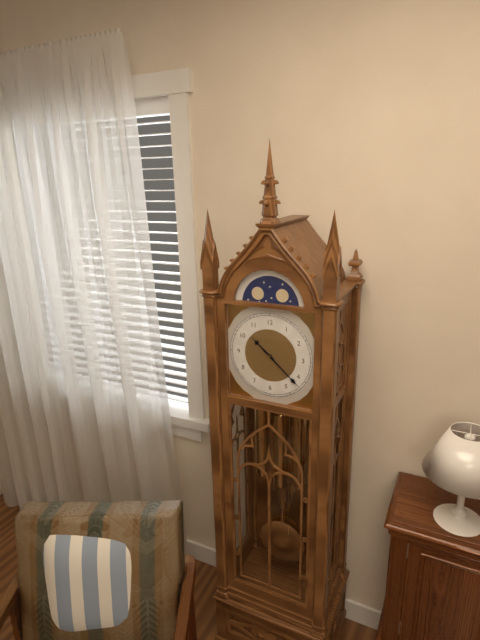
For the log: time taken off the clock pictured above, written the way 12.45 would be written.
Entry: 10.22
